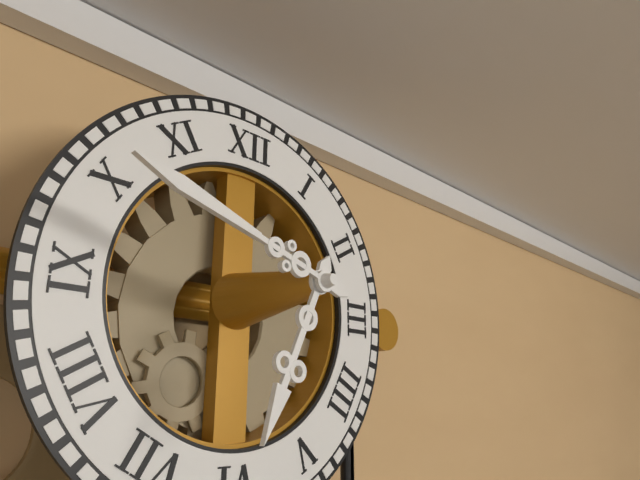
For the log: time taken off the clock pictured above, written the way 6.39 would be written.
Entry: 6.48
